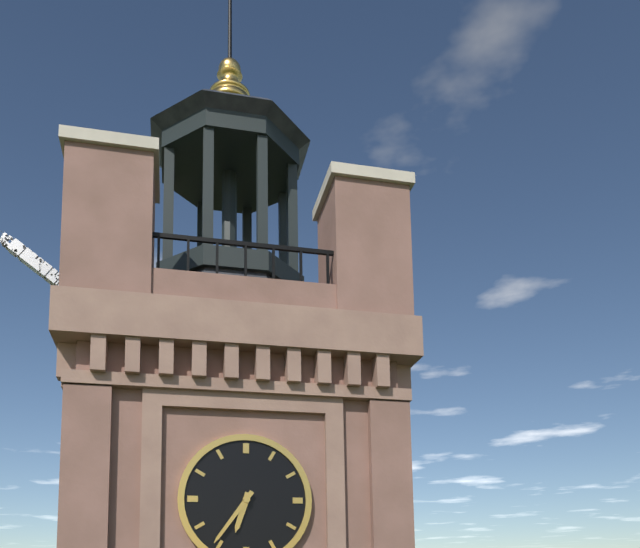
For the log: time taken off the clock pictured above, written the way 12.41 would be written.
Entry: 6.36
